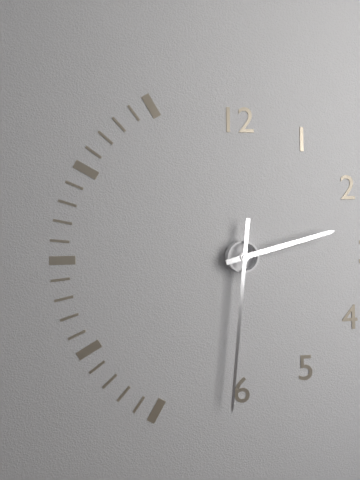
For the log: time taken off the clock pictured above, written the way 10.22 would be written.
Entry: 2.31
